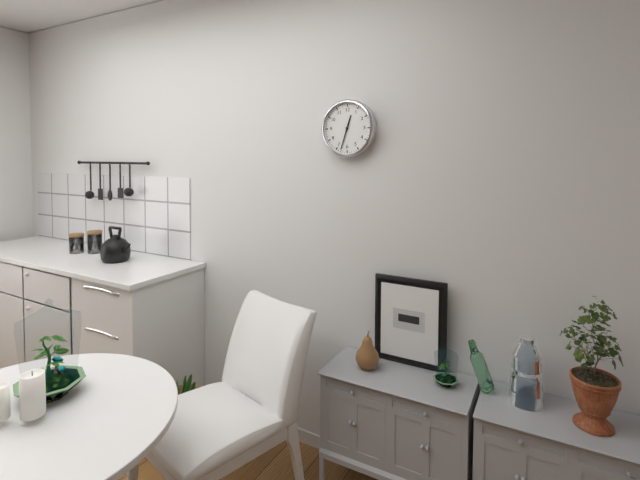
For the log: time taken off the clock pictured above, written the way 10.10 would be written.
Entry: 12.33
